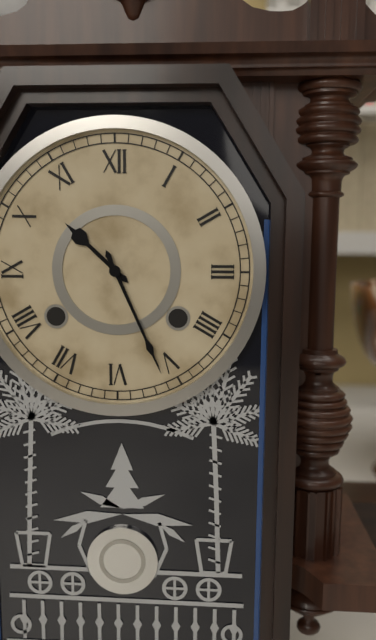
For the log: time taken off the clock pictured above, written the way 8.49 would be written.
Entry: 10.26
